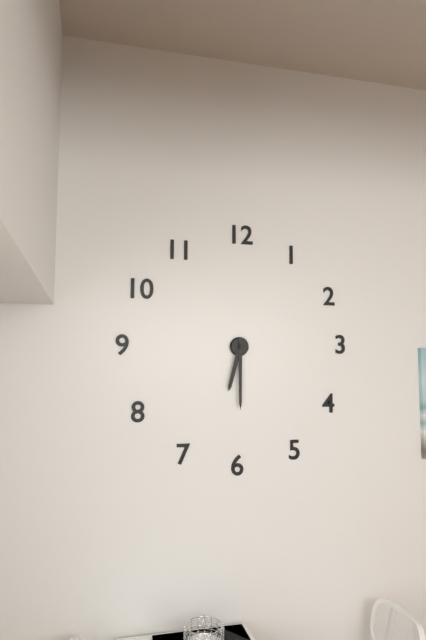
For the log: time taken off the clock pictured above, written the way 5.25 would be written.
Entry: 6.30
